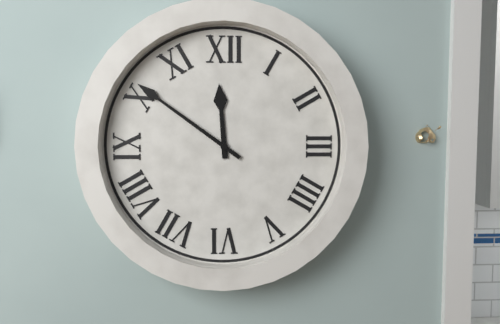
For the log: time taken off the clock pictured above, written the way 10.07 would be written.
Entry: 11.51
